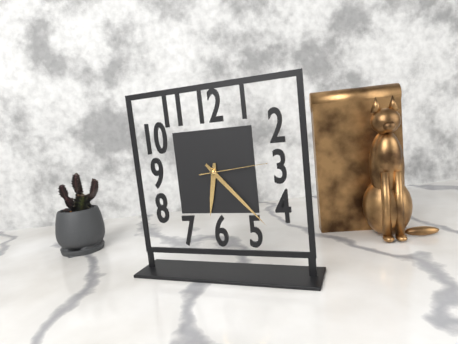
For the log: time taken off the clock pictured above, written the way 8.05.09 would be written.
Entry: 6.23.14
